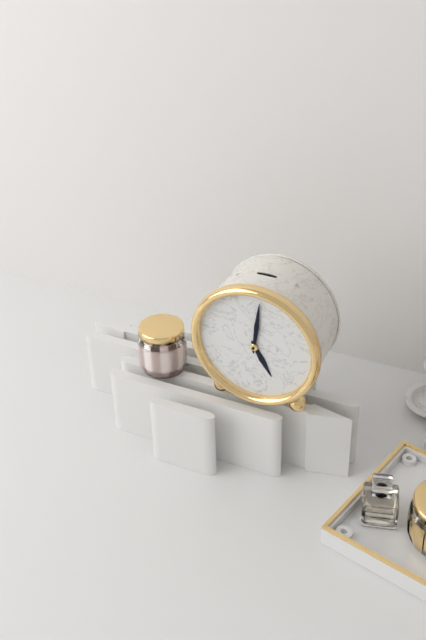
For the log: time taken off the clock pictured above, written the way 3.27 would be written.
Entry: 5.01
